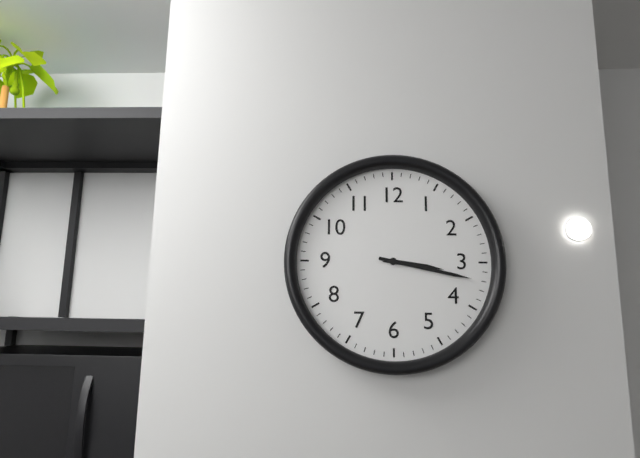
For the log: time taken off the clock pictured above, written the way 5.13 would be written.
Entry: 3.17
